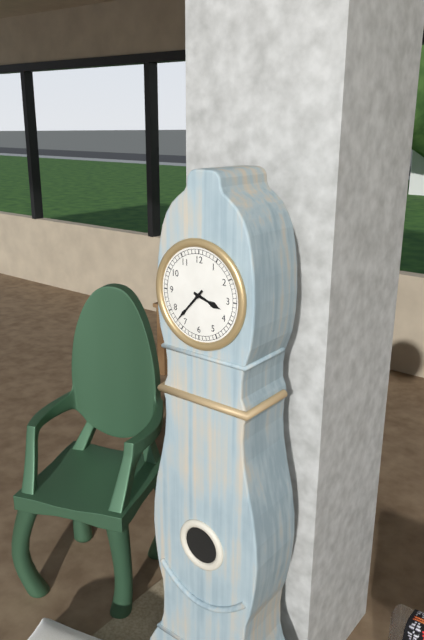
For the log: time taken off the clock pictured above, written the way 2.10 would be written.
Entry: 3.37
